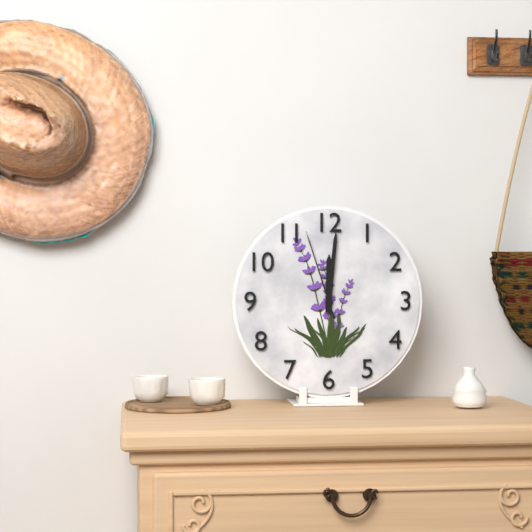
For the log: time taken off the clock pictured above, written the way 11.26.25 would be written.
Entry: 12.01.57
